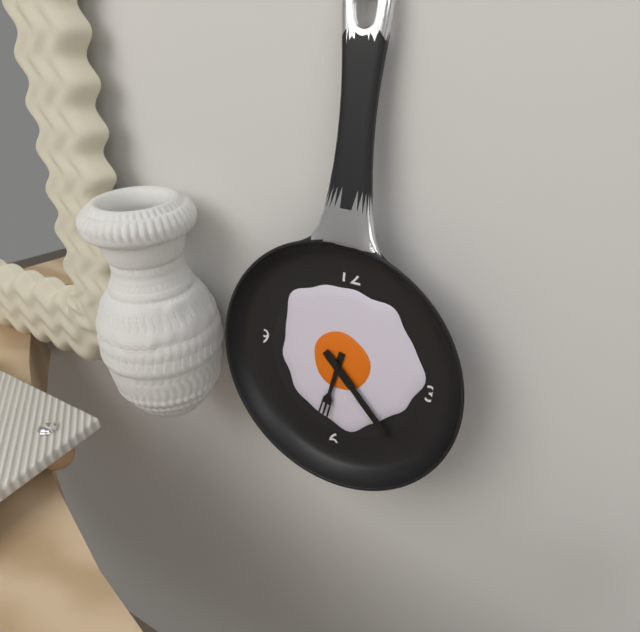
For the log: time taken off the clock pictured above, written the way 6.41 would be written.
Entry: 6.22
